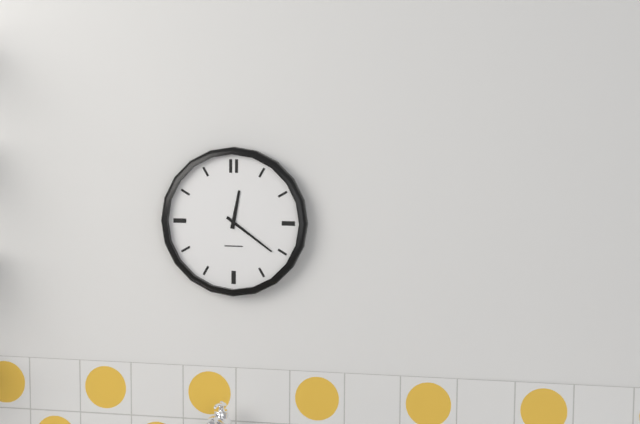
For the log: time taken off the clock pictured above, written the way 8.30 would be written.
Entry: 12.21
